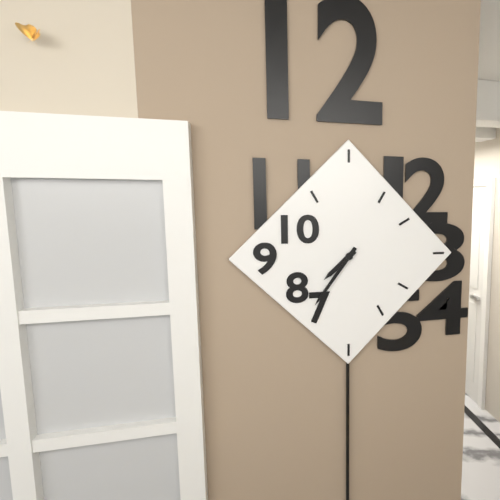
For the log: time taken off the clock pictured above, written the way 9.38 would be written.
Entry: 7.36
